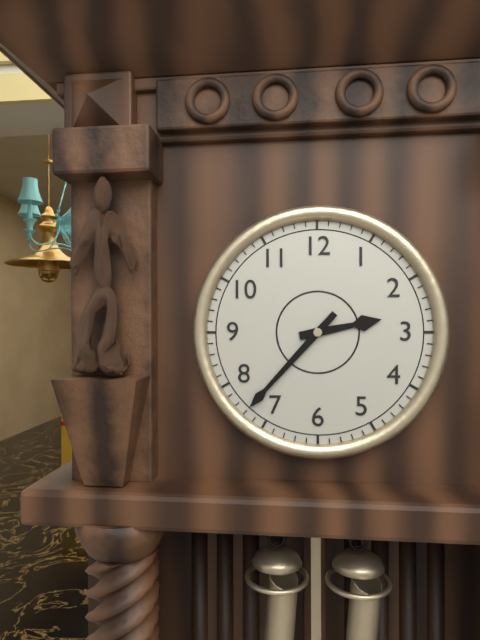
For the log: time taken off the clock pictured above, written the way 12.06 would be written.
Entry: 2.37
